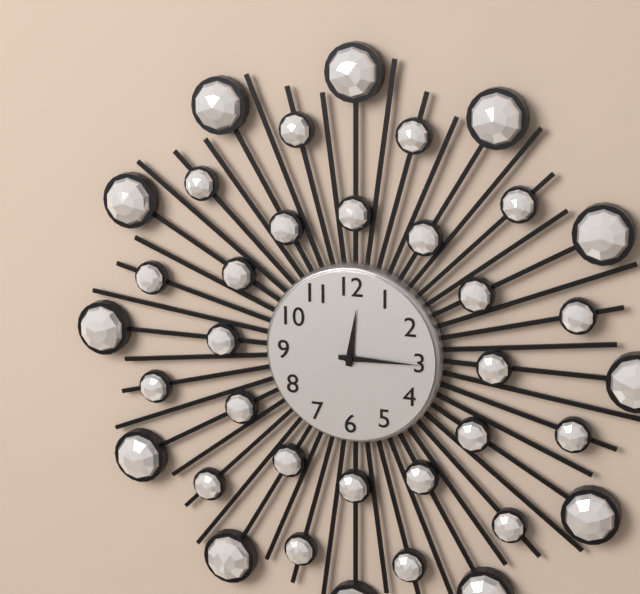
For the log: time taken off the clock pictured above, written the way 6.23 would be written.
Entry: 12.15
